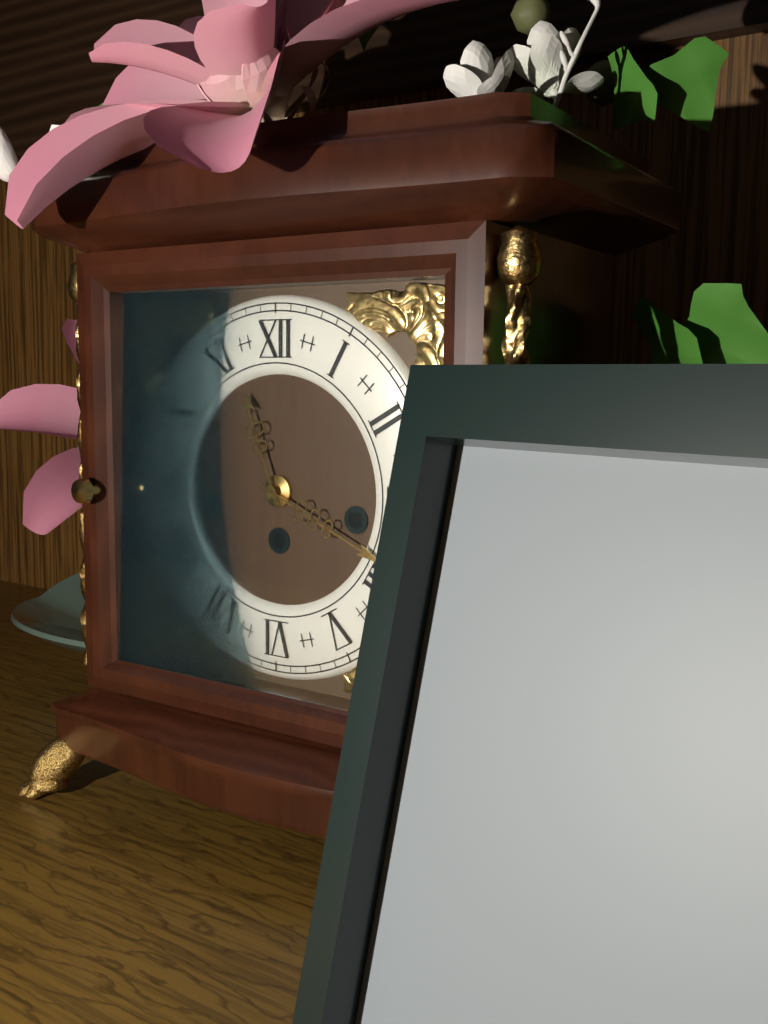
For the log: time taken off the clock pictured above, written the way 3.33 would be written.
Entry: 11.19
